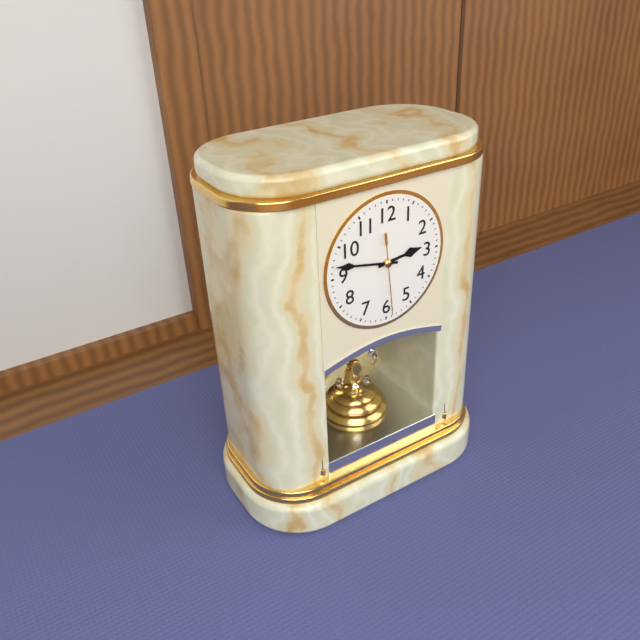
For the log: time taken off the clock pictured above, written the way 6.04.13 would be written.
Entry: 2.47.29
